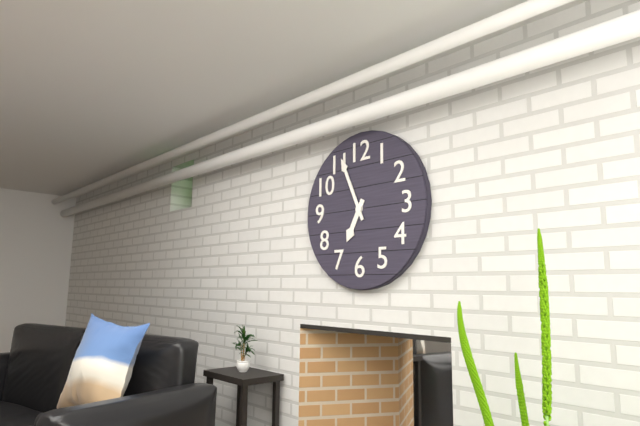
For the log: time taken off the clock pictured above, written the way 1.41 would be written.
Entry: 6.56
